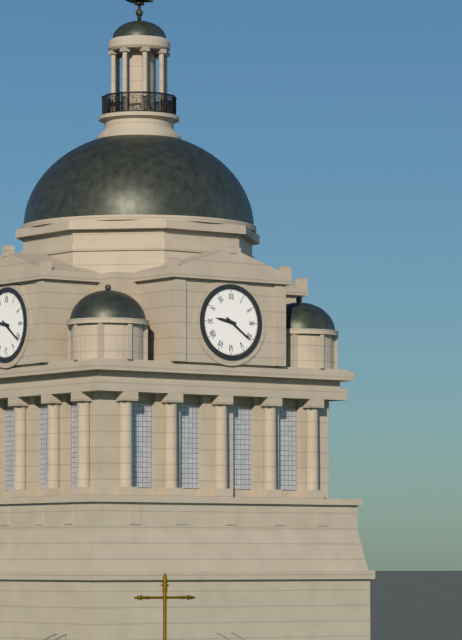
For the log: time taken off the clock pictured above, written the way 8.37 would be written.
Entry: 9.21
